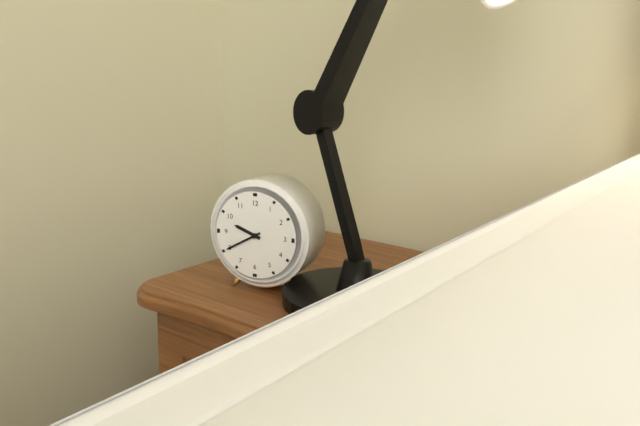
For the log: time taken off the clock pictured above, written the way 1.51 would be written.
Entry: 9.40
